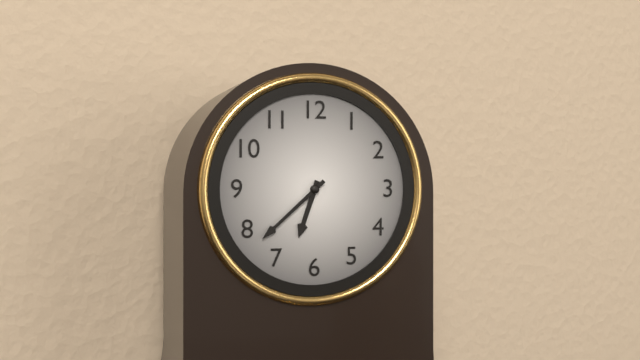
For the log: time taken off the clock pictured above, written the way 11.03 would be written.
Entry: 6.38
